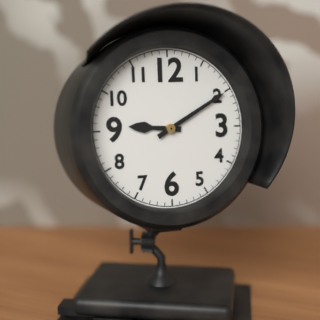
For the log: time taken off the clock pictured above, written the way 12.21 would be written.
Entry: 9.10
